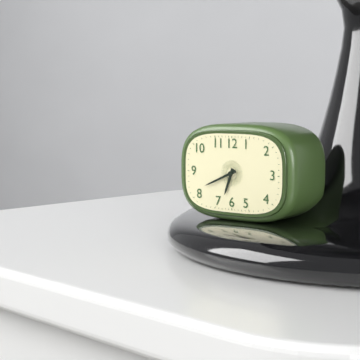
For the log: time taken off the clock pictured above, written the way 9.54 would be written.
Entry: 6.41
